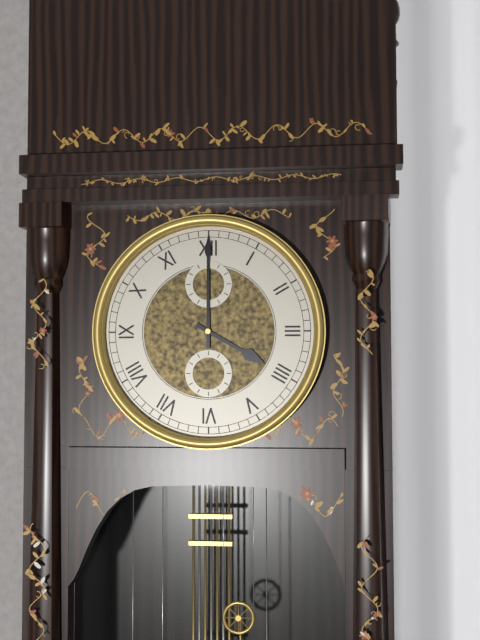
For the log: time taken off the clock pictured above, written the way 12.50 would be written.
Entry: 4.00
